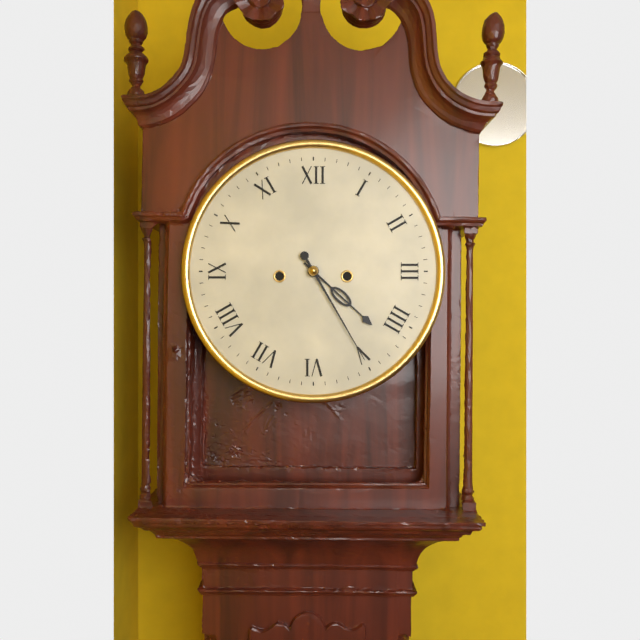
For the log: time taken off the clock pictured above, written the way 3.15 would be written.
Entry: 4.25
